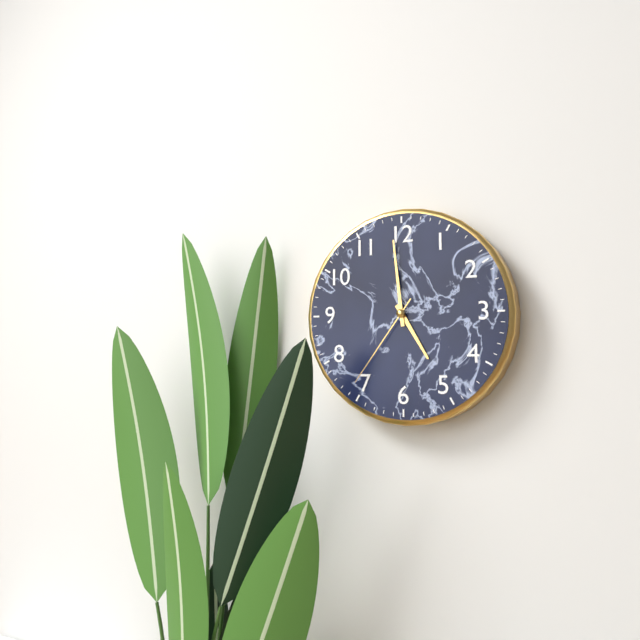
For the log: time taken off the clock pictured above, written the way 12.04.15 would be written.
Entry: 4.59.36
